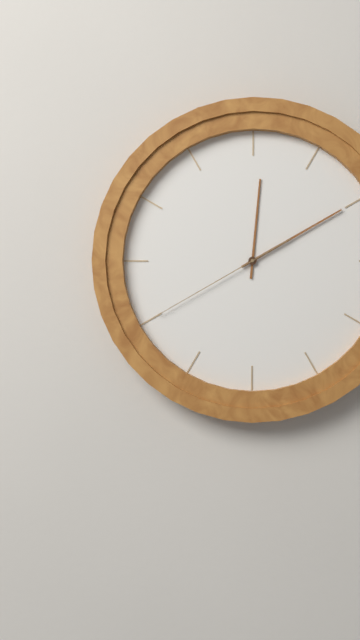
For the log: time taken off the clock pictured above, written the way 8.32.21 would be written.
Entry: 12.10.40
